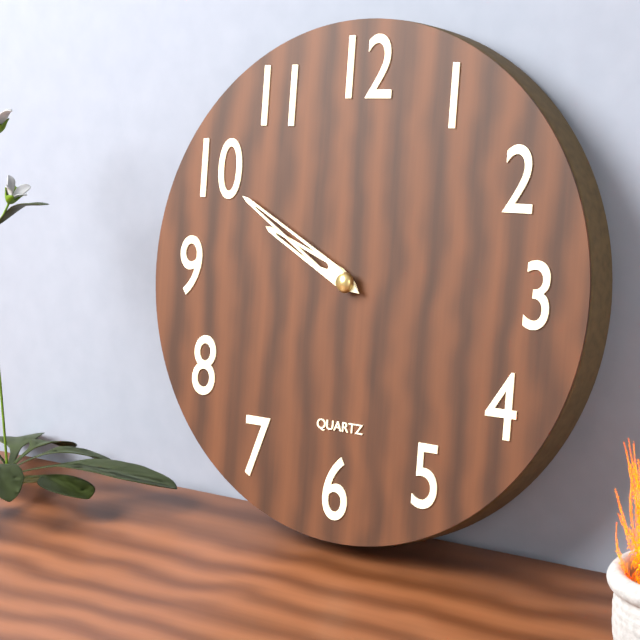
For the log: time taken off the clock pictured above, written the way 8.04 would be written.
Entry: 9.50
